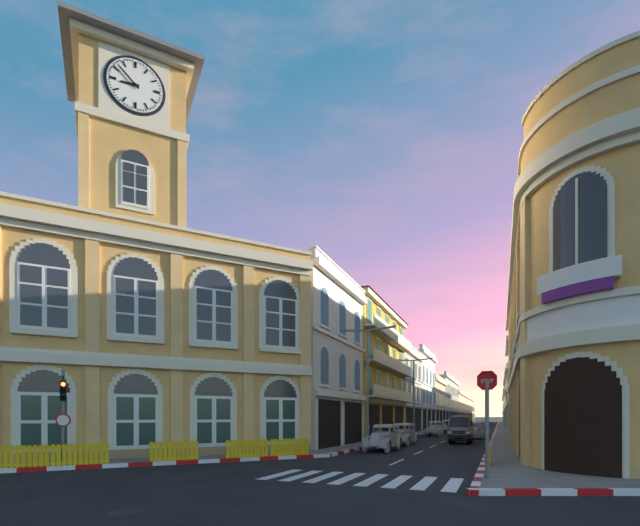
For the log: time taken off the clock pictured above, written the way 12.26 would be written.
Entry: 8.52
